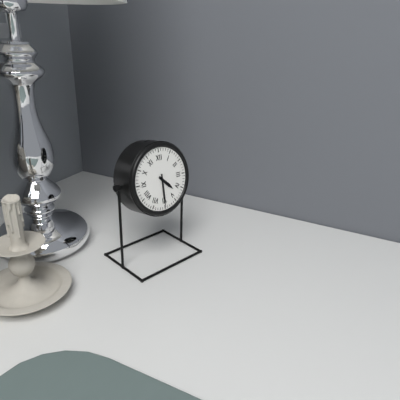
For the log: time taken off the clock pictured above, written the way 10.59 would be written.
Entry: 4.30
